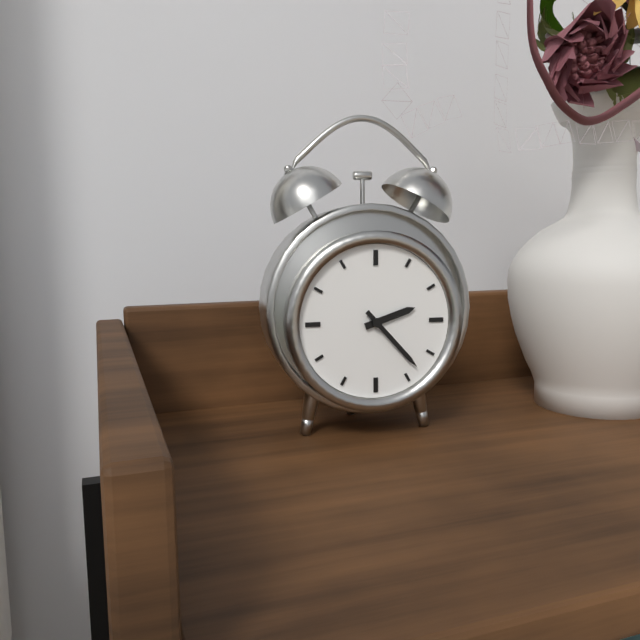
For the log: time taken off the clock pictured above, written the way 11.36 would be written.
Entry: 2.23
